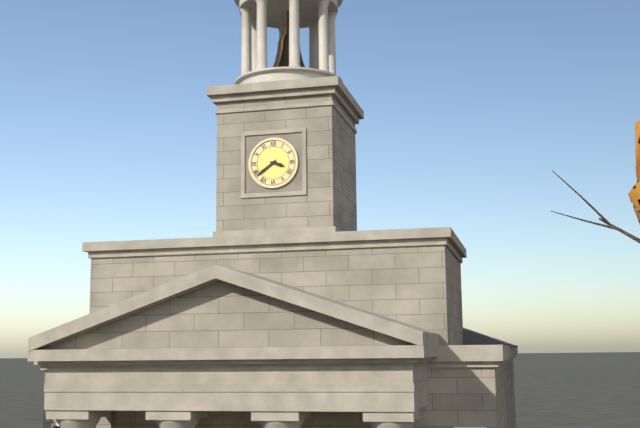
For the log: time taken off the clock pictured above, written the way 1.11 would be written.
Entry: 3.39
